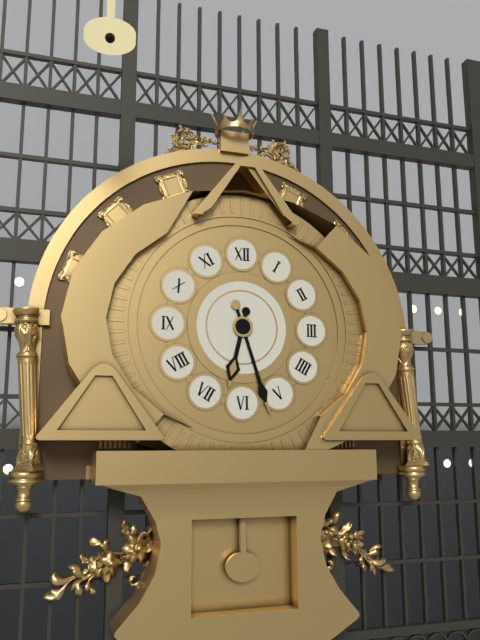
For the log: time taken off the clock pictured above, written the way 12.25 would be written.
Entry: 6.27
